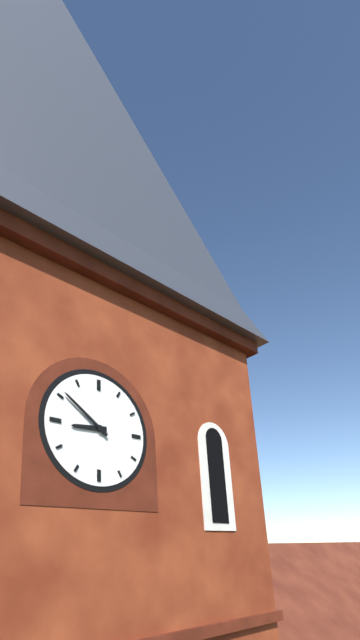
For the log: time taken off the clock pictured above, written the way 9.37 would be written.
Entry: 8.51
